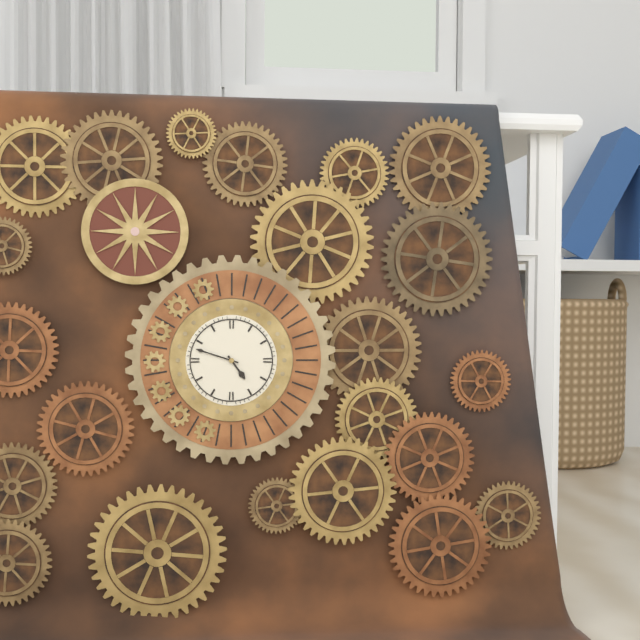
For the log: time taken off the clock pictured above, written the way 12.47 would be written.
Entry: 4.48
